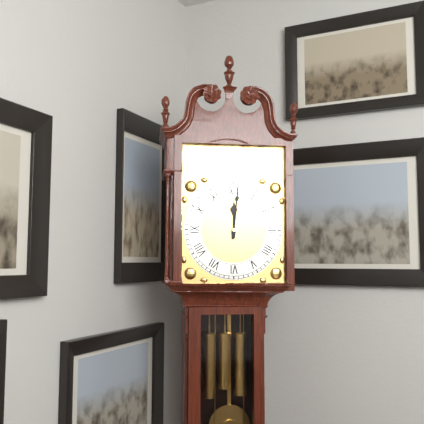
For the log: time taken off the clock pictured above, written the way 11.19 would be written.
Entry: 12.01
